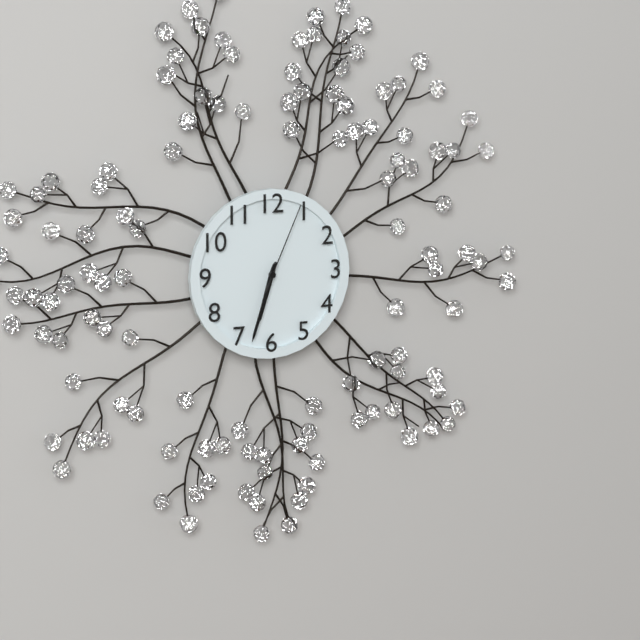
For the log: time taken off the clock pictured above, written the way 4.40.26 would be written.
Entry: 6.33.04
